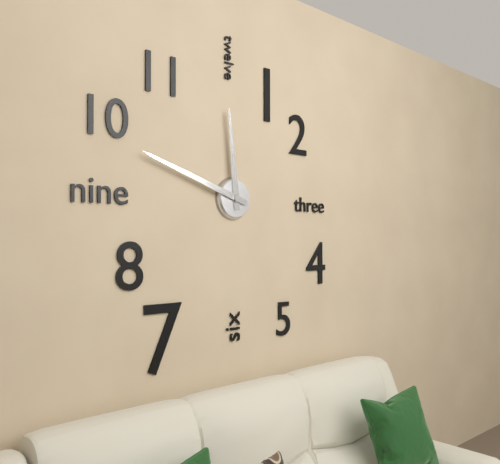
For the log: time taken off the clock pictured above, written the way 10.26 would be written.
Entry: 11.48
